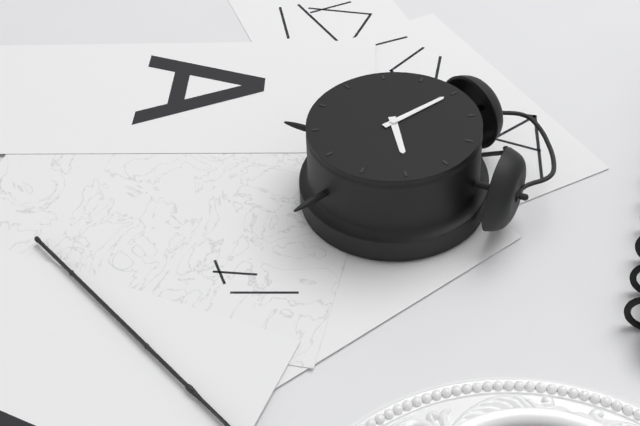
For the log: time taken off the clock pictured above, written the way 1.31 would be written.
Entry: 2.55
